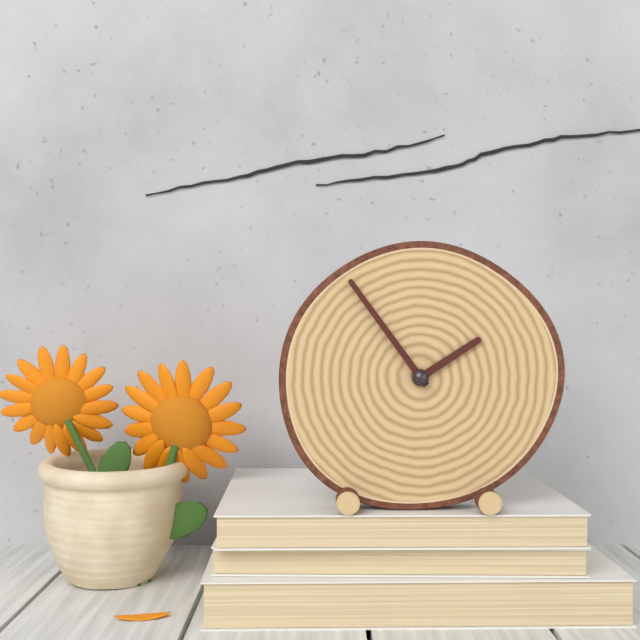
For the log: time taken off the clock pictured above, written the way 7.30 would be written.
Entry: 1.54
